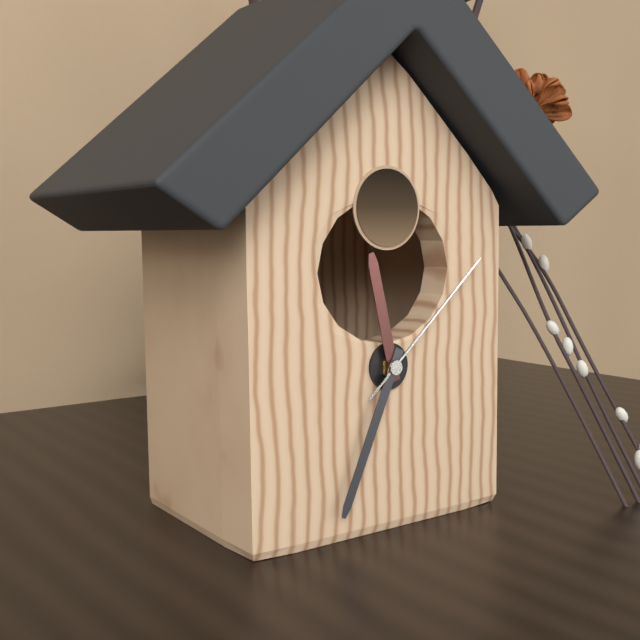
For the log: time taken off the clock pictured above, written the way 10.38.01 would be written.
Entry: 11.34.08
